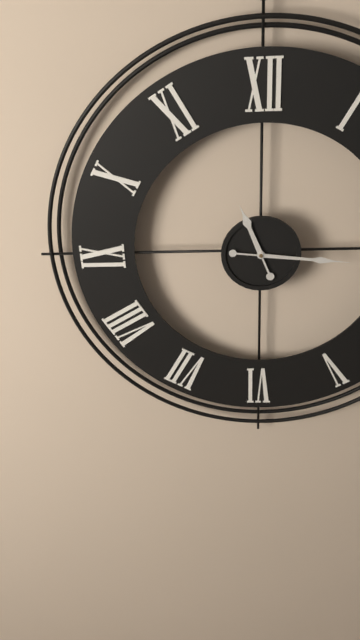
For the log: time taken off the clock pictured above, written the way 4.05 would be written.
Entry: 11.16
